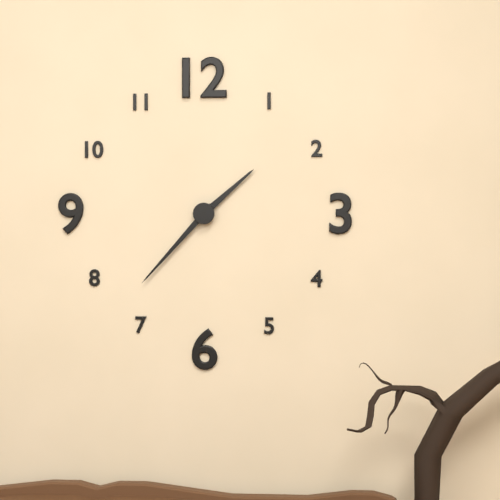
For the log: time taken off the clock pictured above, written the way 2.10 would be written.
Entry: 1.37
